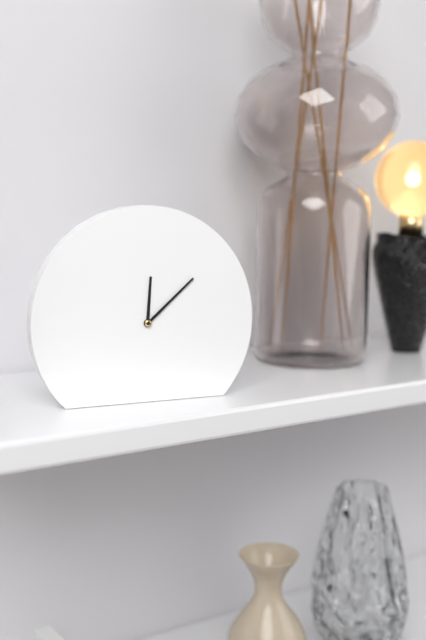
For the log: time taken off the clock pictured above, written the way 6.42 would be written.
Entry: 12.08
